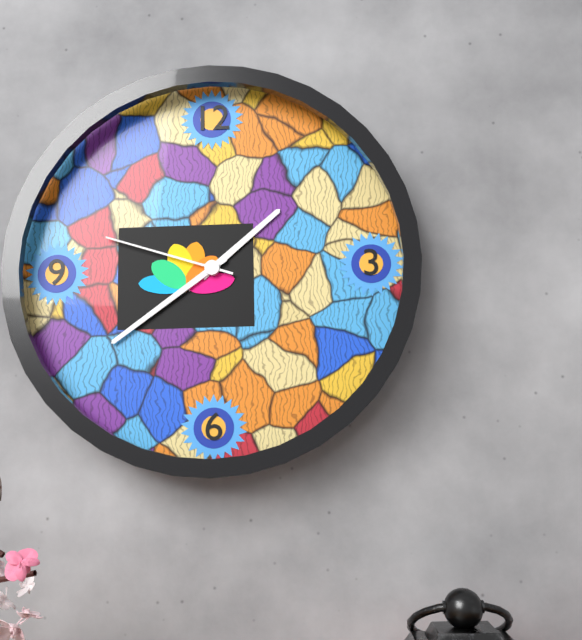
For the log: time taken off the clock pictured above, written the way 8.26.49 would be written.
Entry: 1.39.48
